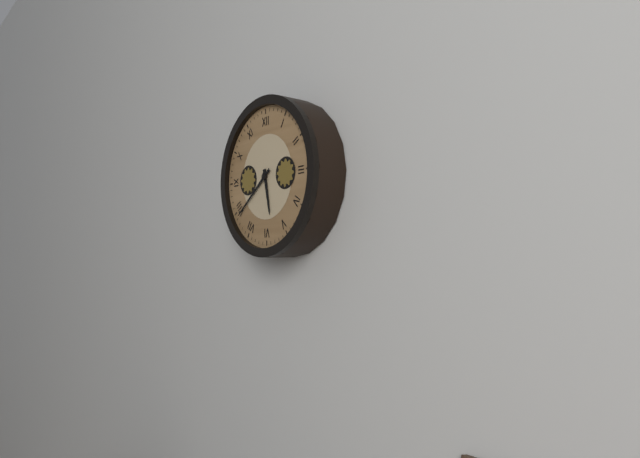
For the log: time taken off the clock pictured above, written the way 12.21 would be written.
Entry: 5.39
